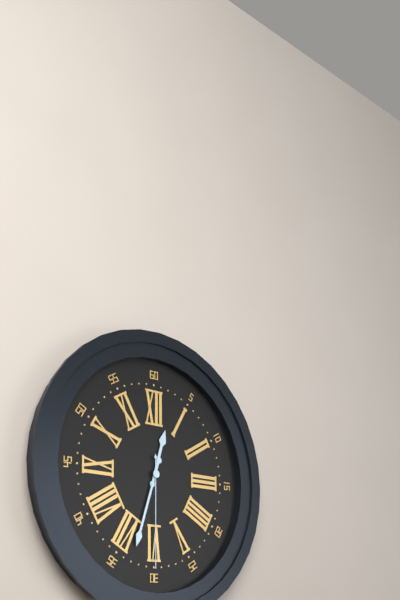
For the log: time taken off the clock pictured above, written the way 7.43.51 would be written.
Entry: 12.33.30
